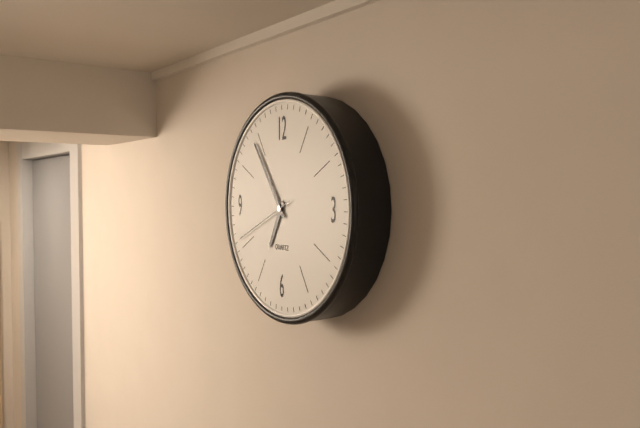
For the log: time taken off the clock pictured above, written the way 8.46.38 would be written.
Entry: 6.54.41
